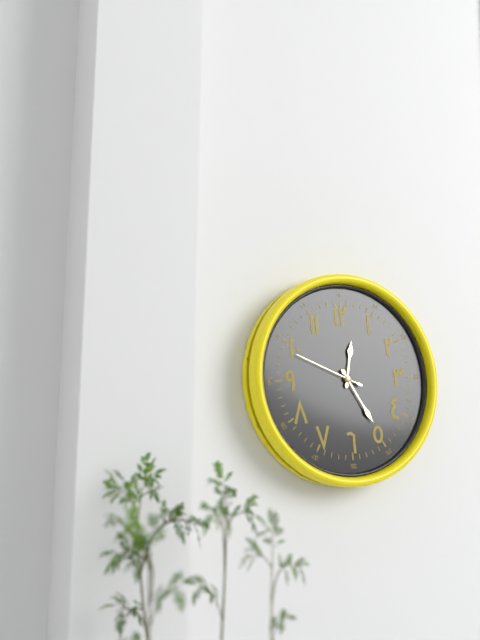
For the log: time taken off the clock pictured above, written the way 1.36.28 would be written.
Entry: 12.25.49
